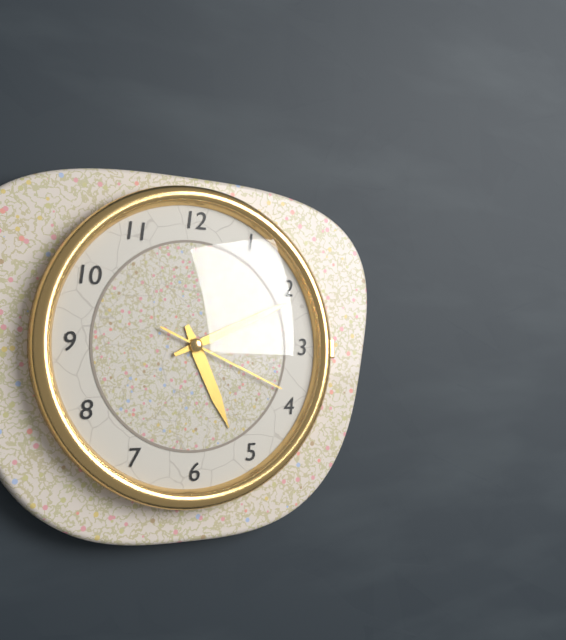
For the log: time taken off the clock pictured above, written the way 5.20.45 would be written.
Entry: 5.11.19
